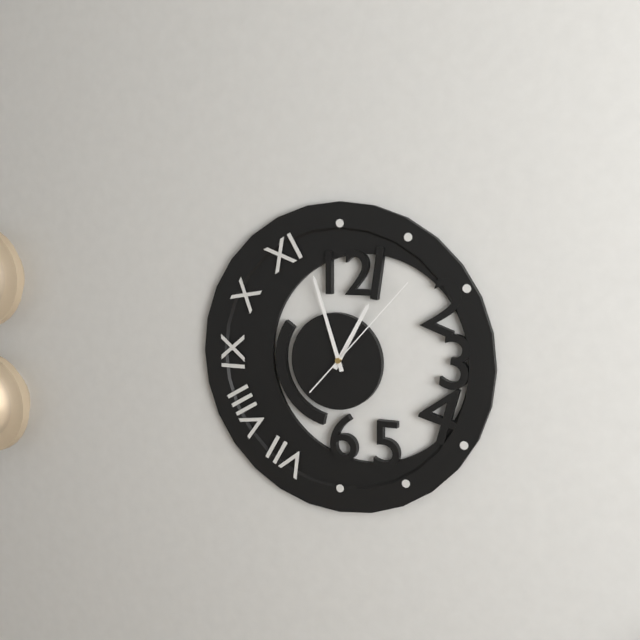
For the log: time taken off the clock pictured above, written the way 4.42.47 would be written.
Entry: 12.57.07
